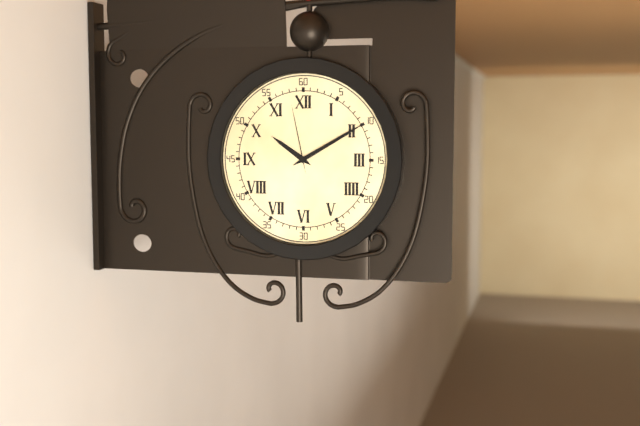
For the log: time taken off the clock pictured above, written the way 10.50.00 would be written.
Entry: 10.10.58
